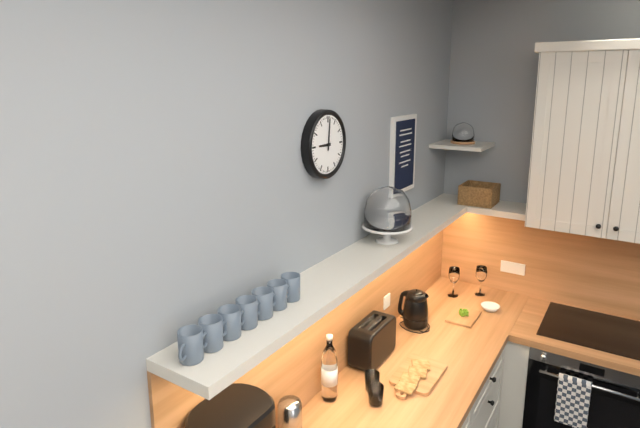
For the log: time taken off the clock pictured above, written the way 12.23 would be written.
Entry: 9.01
